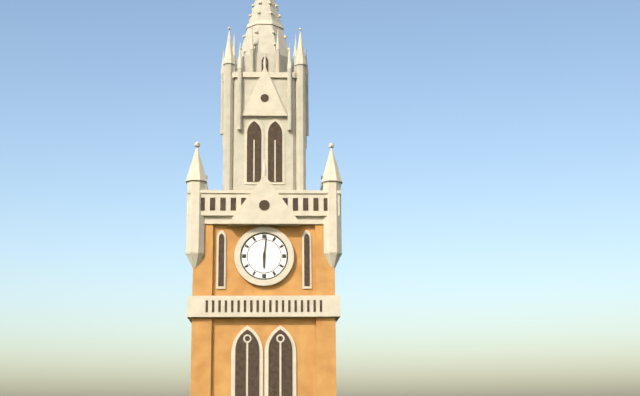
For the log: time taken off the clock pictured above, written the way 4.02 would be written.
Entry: 6.01
